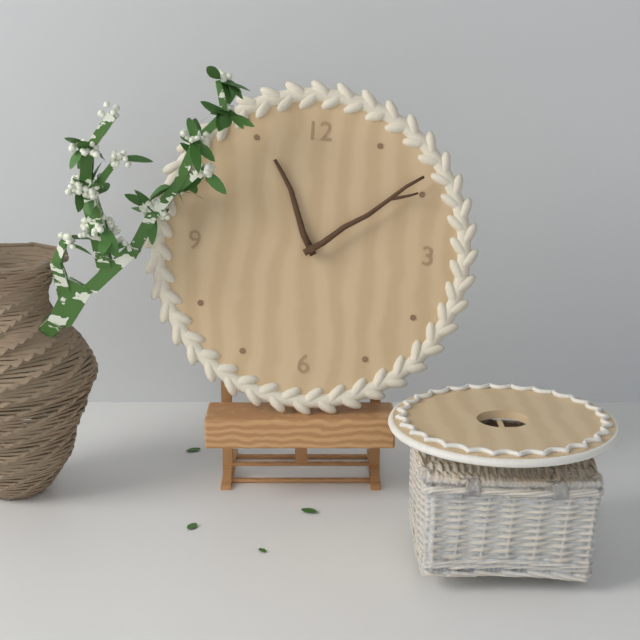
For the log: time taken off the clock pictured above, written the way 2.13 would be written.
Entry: 11.09
